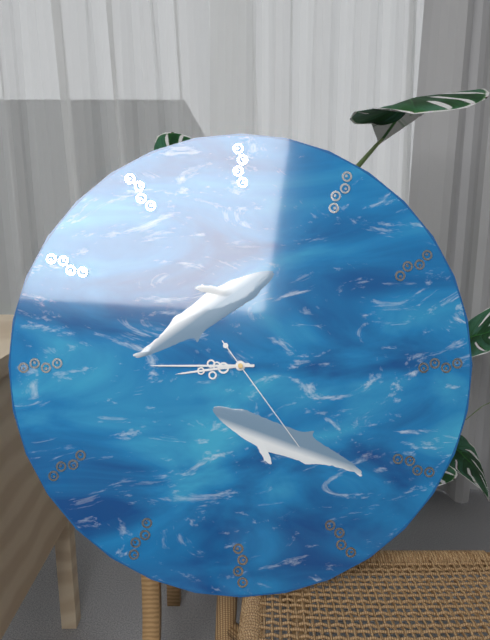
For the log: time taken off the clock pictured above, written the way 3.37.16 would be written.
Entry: 8.45.24
